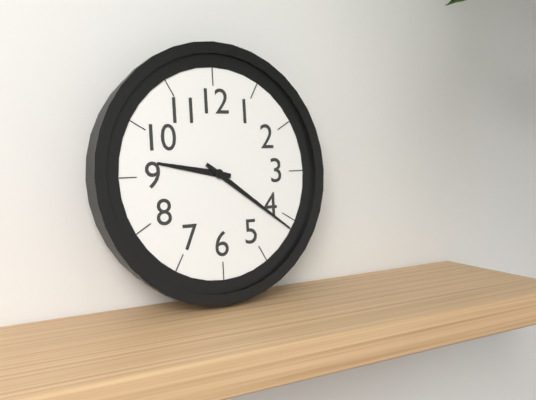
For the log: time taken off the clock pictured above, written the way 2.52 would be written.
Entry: 9.21
